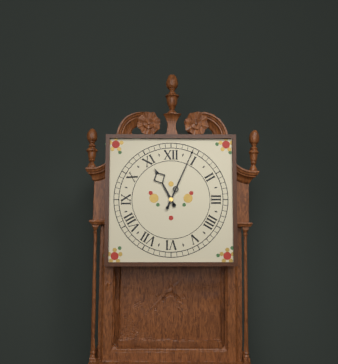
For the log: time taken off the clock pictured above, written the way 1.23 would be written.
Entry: 11.04
